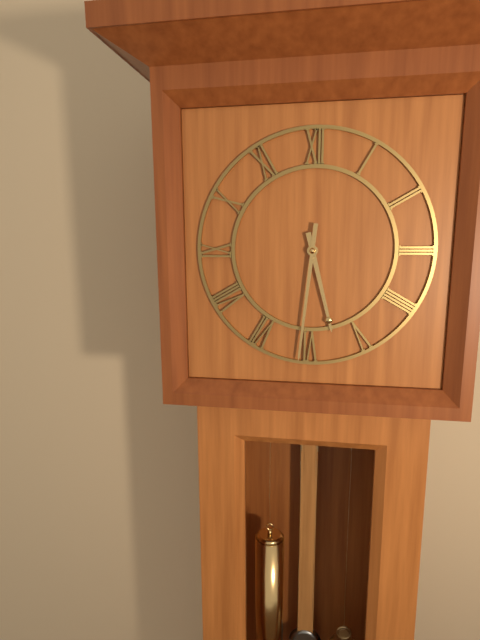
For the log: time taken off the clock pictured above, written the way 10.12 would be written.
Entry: 5.31
